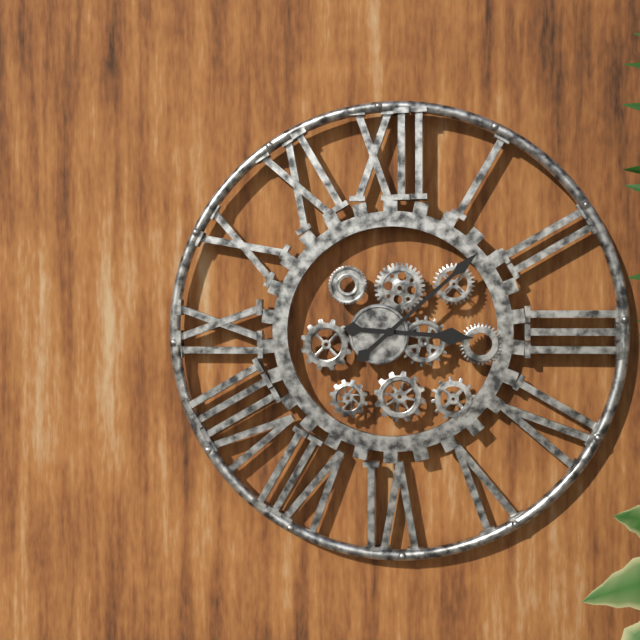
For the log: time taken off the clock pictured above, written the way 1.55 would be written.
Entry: 3.08
